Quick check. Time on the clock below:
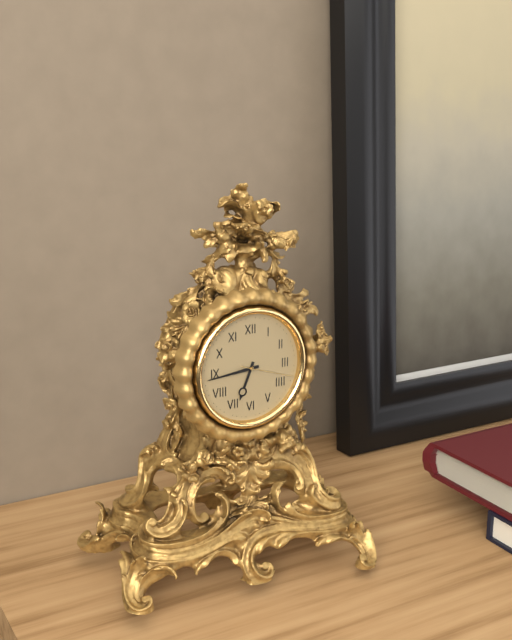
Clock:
6:44:18
